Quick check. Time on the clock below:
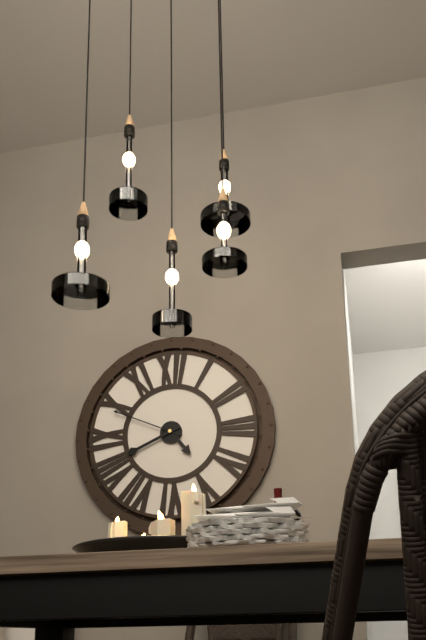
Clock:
4:41:49
